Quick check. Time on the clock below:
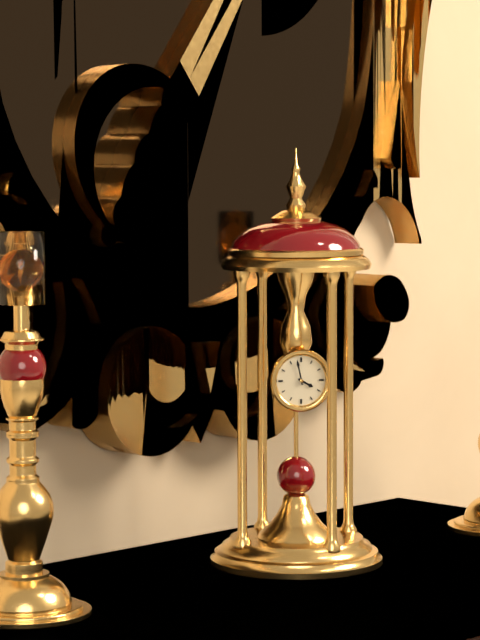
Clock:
3:58
